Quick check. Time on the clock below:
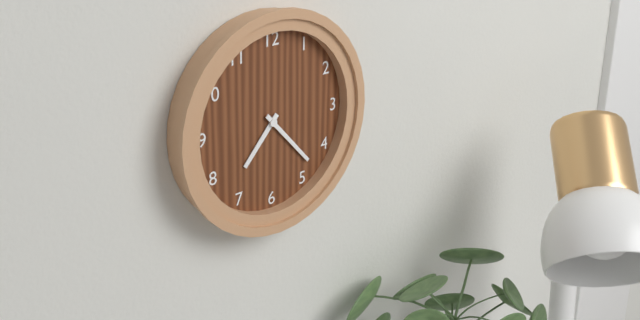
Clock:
7:23
